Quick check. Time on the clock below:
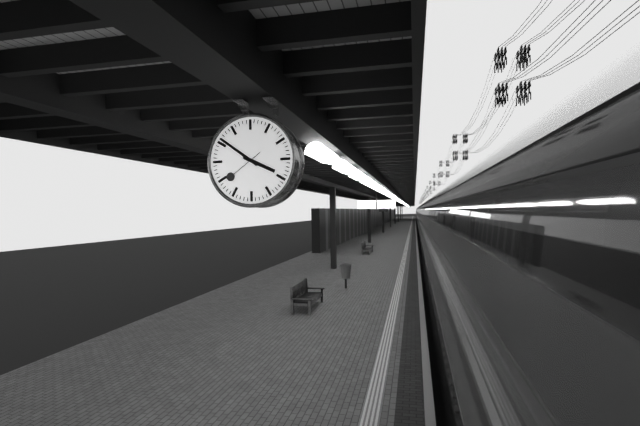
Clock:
3:51
